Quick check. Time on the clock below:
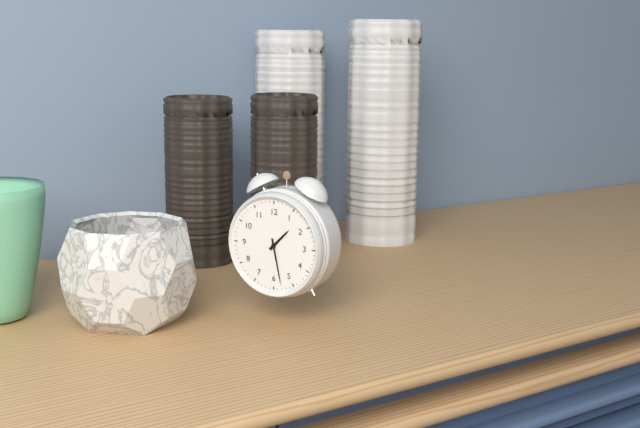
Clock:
1:28
